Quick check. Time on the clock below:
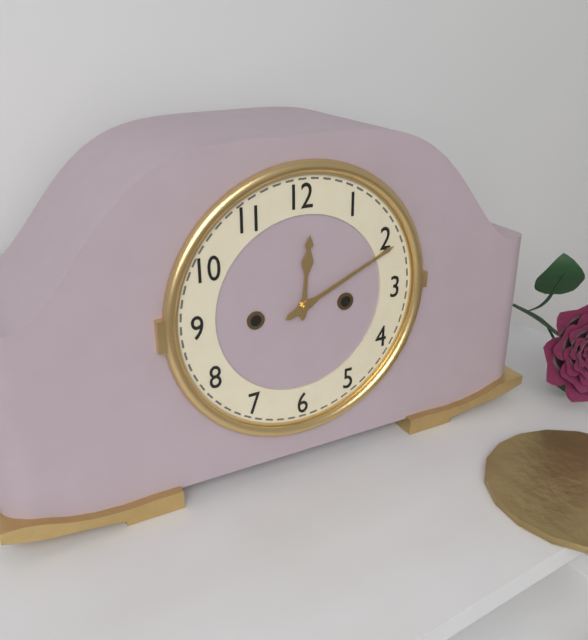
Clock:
12:11
